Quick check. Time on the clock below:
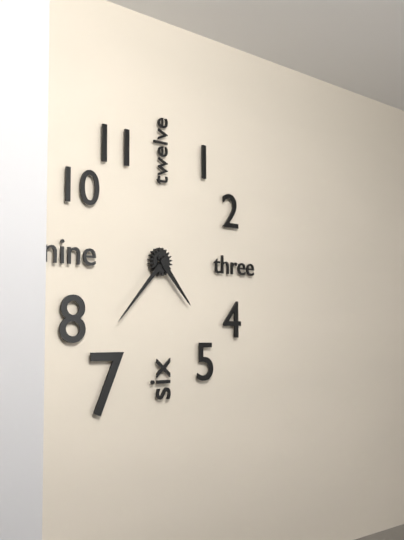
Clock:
4:37
